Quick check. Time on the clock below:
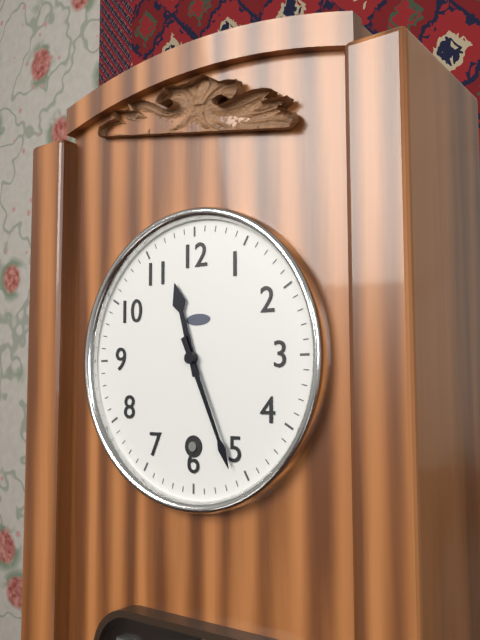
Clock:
11:26
